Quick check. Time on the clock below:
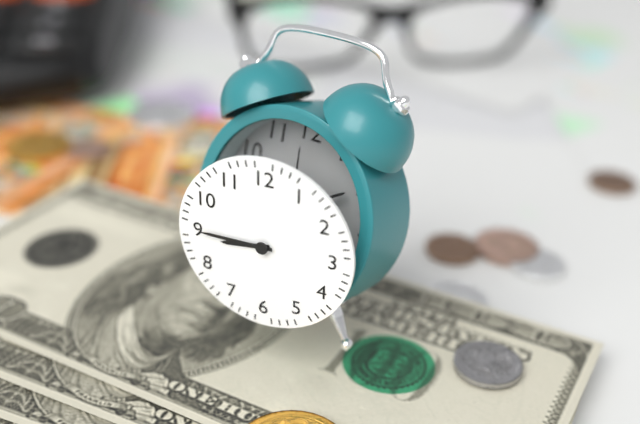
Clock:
8:45
